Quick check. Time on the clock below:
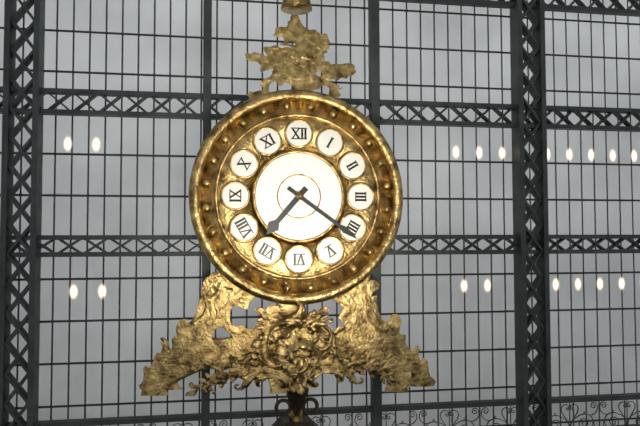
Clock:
7:21
